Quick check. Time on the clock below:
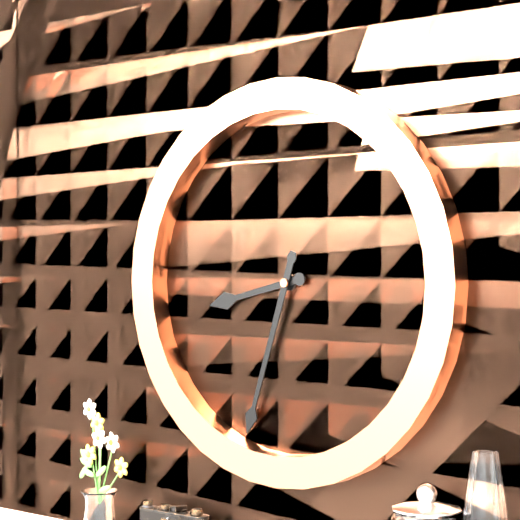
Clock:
8:33
